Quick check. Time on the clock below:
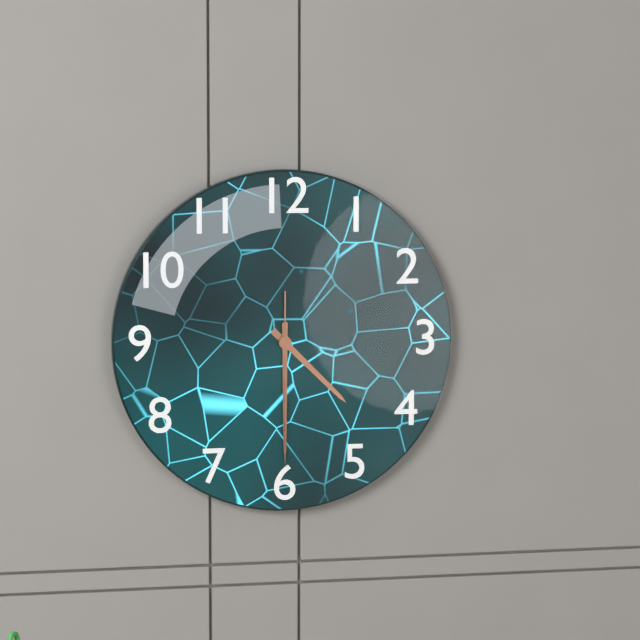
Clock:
4:30:30
